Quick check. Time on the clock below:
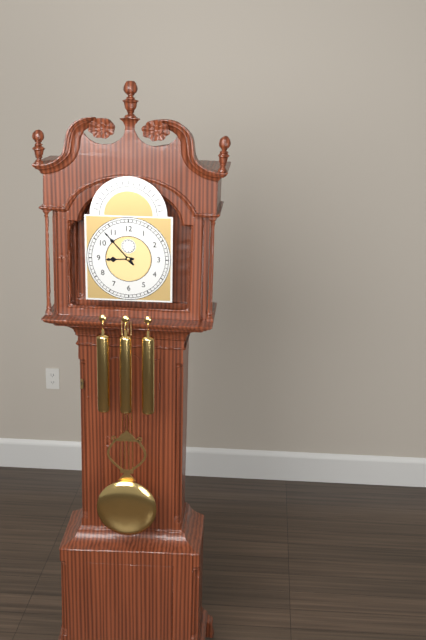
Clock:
8:53
